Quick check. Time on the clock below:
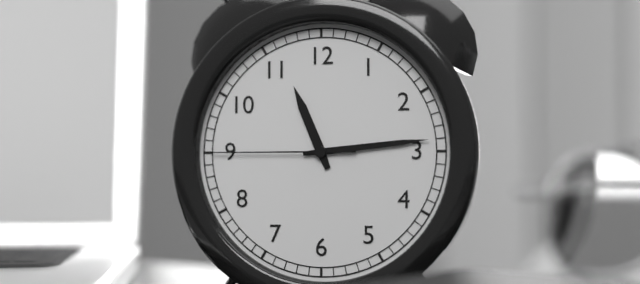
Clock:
11:14:45
